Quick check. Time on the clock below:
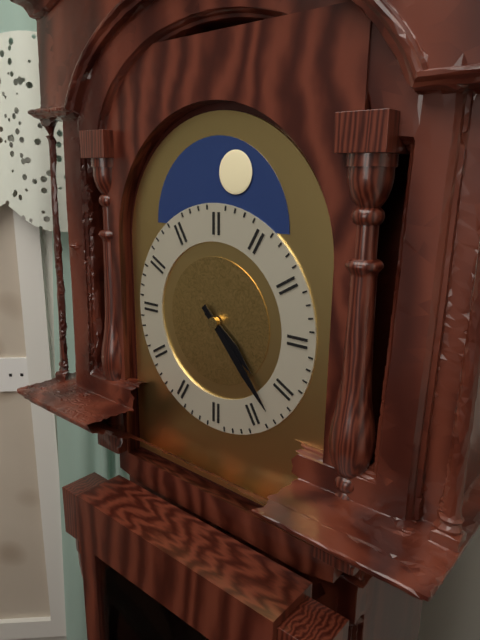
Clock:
4:23
